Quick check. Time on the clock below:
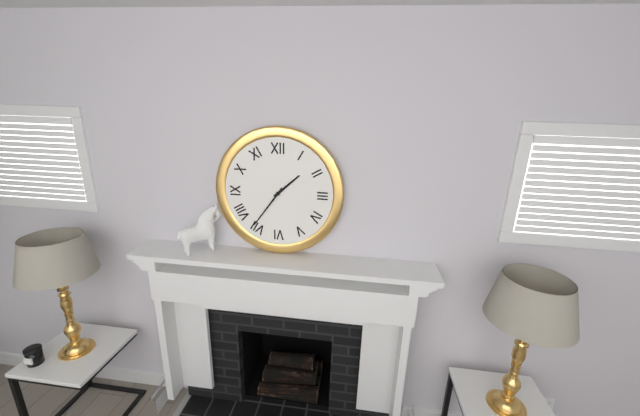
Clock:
1:36
